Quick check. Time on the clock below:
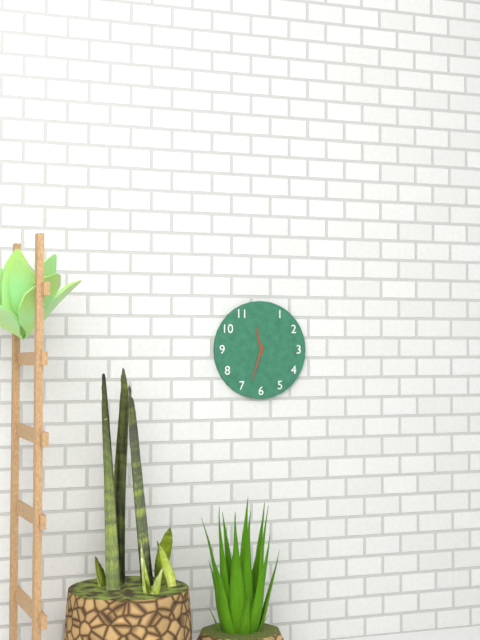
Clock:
11:33
